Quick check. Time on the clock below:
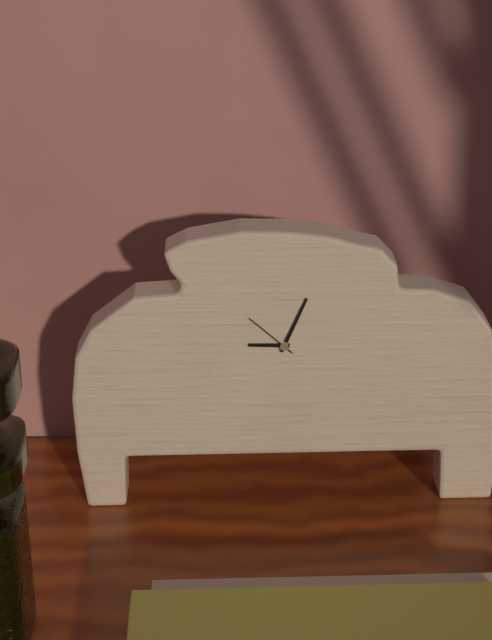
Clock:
9:04:52
